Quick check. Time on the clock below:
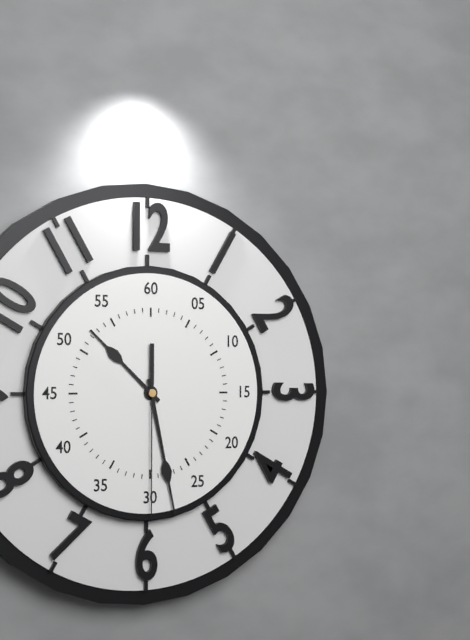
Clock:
10:28:30
